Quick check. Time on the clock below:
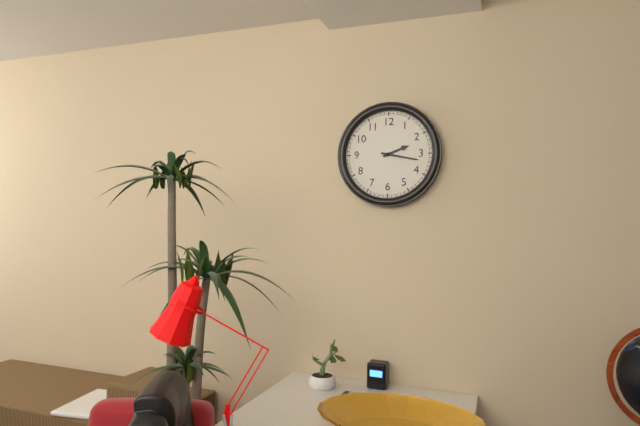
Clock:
2:17
